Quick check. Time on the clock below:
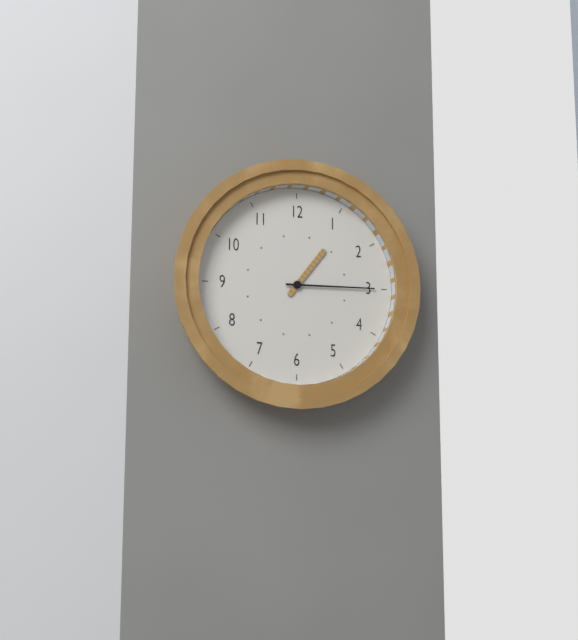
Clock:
1:15
